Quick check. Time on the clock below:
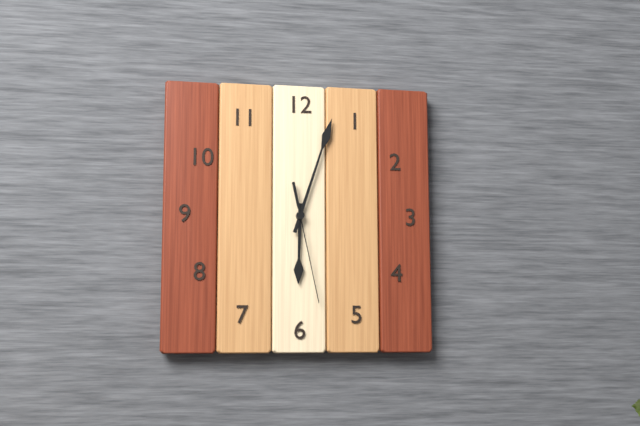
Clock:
6:03:28
